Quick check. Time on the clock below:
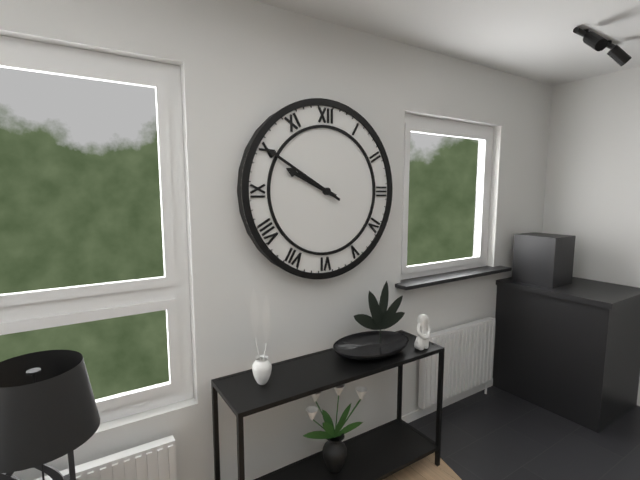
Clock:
9:50
